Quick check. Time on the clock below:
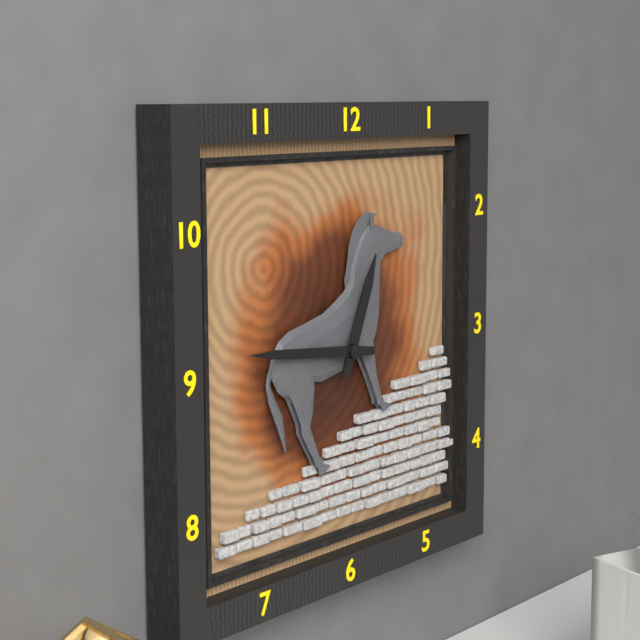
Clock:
12:46
